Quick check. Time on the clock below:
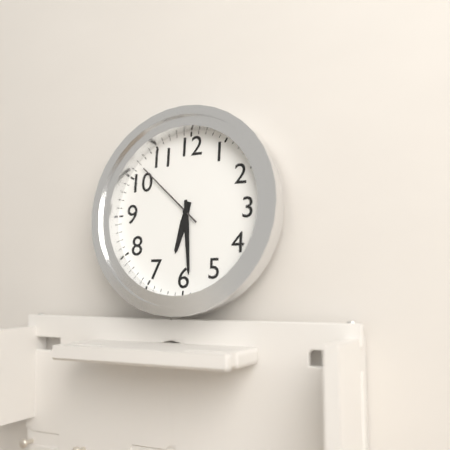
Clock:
6:29:52
